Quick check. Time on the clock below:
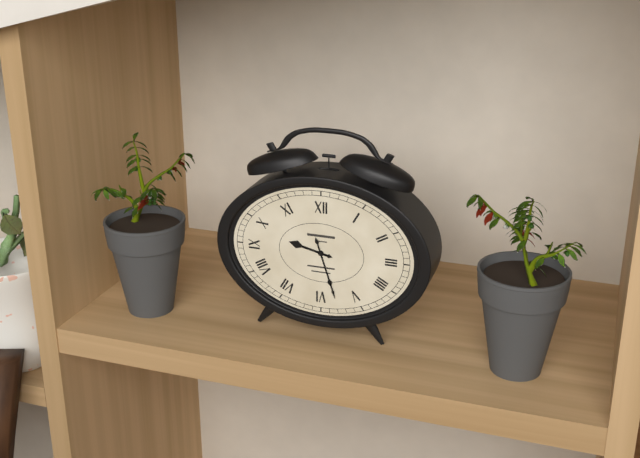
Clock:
9:27
